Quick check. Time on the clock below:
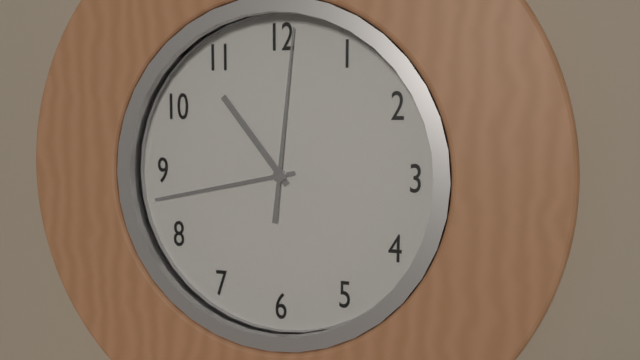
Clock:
10:43:01
